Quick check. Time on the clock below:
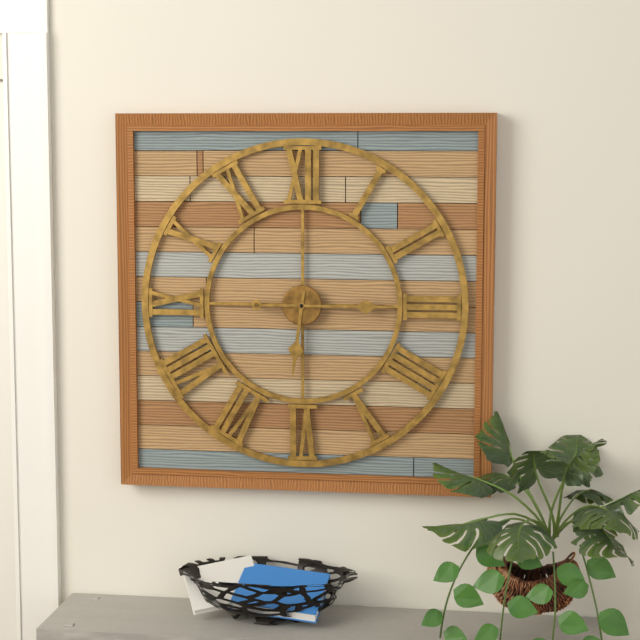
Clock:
6:15
